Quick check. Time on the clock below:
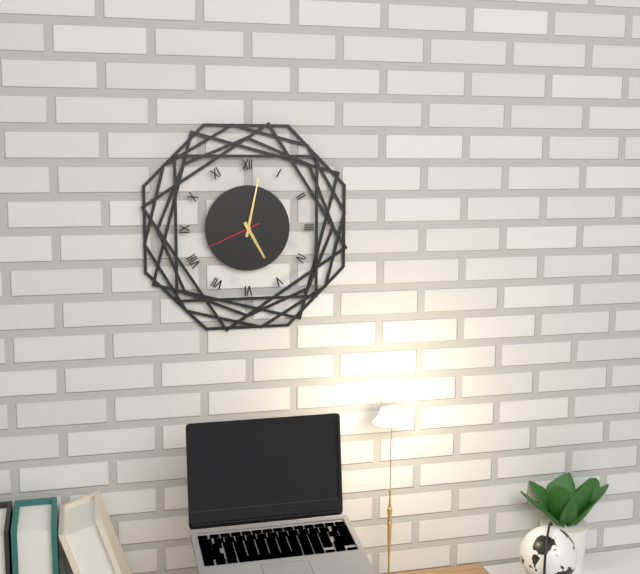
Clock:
5:02:41
